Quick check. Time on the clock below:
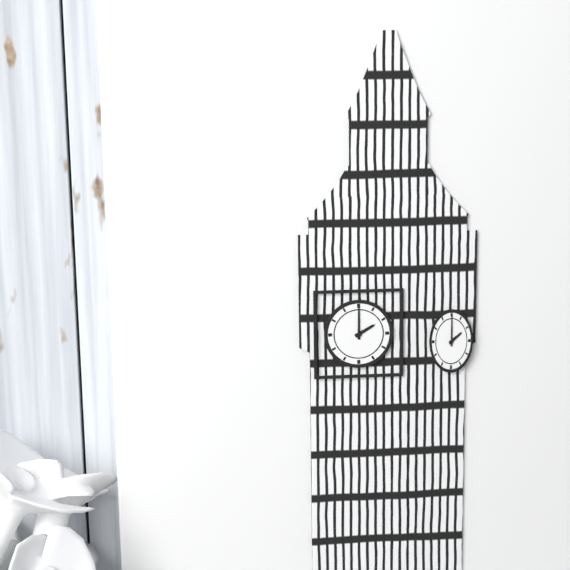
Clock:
2:00
